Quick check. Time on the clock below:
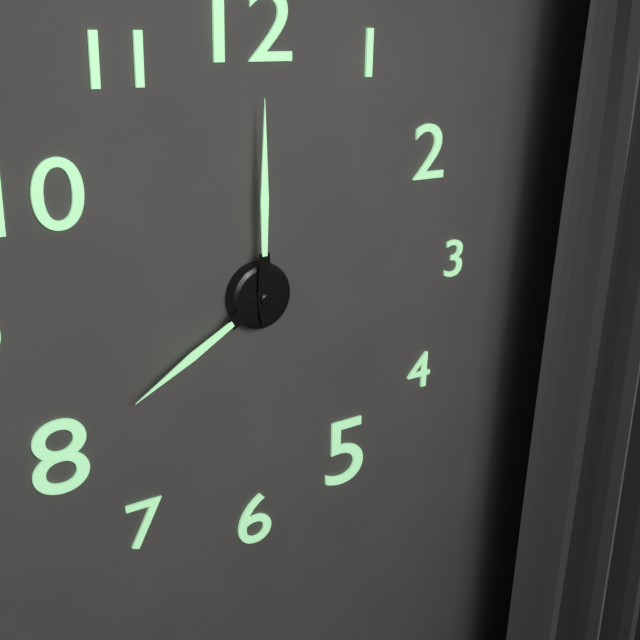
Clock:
8:00
